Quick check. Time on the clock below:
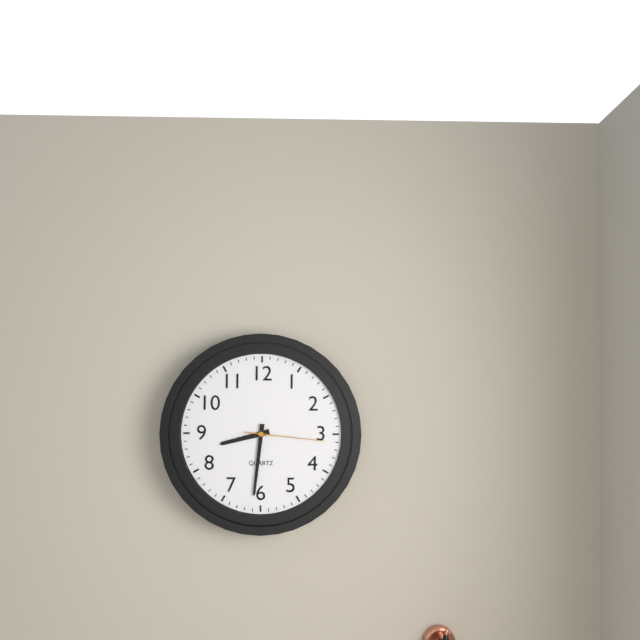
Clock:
8:31:16
